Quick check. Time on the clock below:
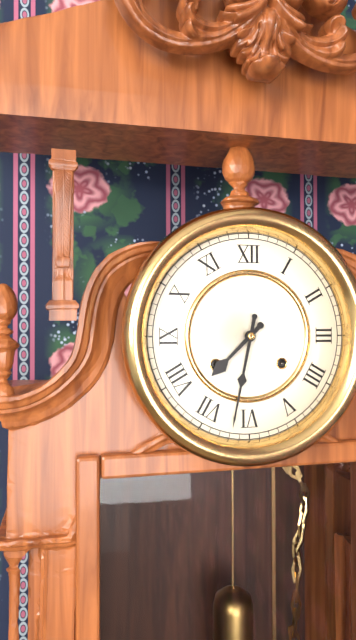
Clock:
7:32
